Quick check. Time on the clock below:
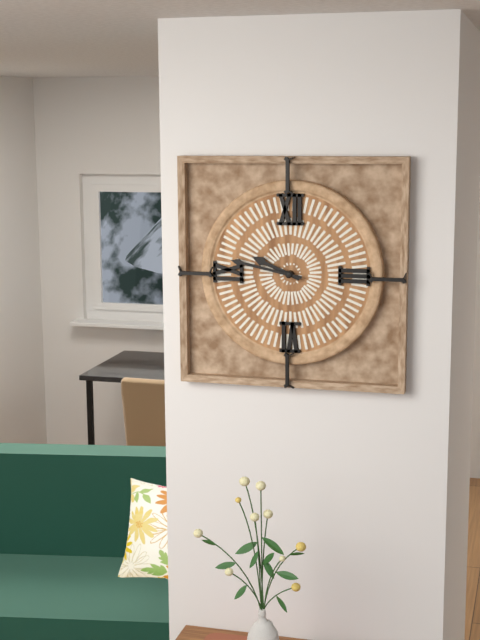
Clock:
9:47
